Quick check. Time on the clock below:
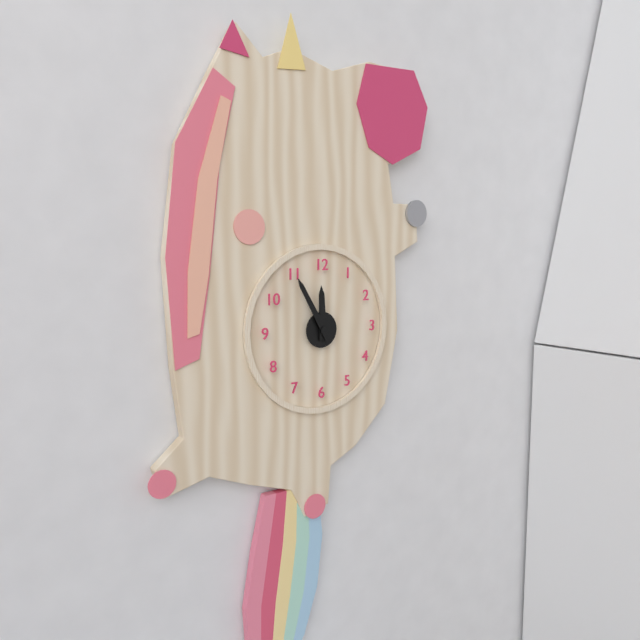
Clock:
11:55
